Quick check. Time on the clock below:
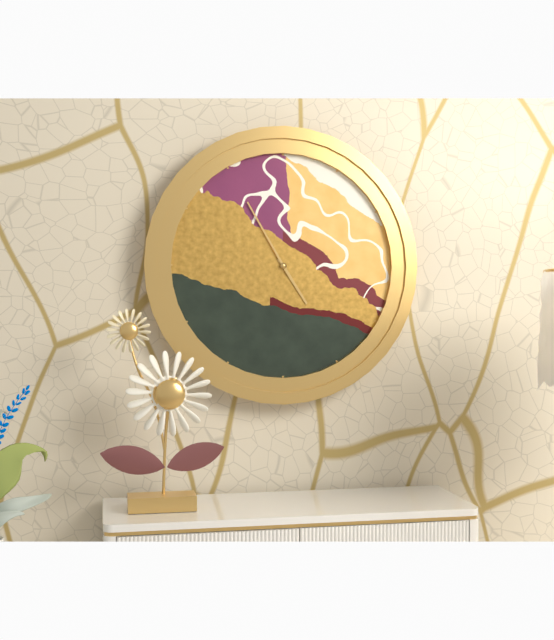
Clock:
4:55
